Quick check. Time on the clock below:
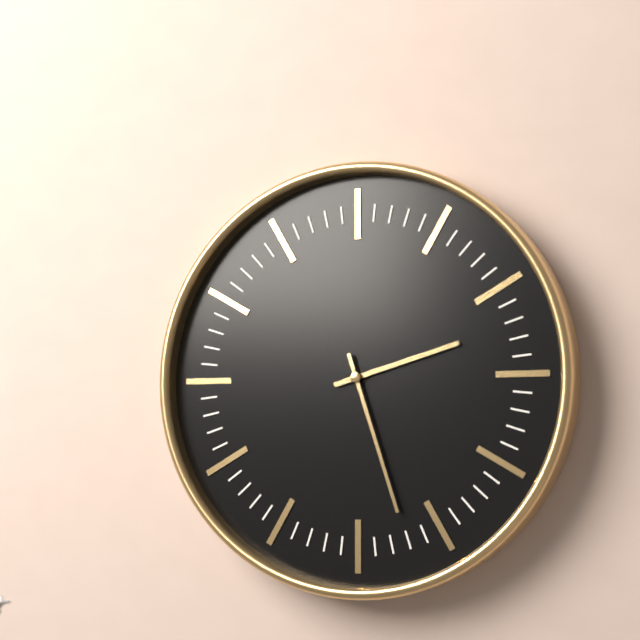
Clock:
2:27
